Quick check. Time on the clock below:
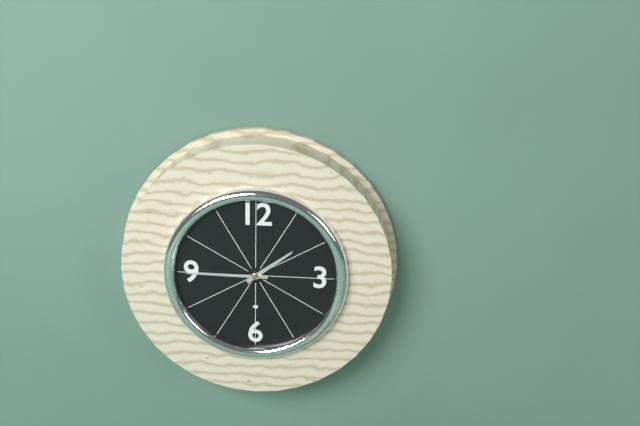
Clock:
1:45
